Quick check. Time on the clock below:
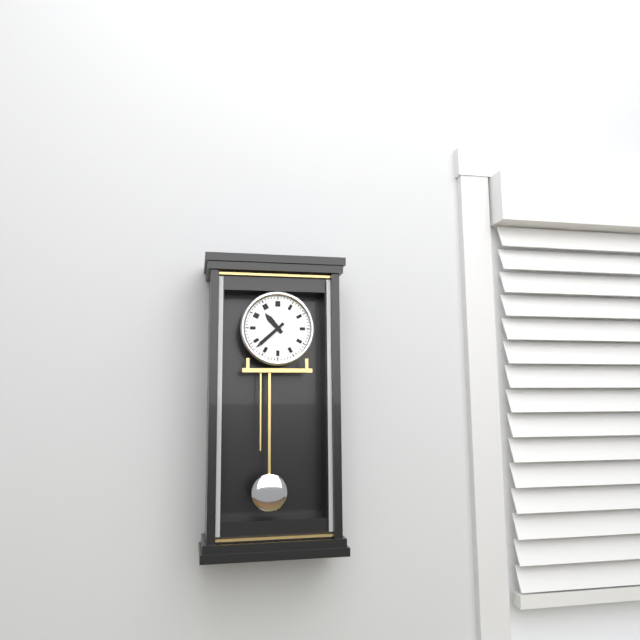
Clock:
10:38
